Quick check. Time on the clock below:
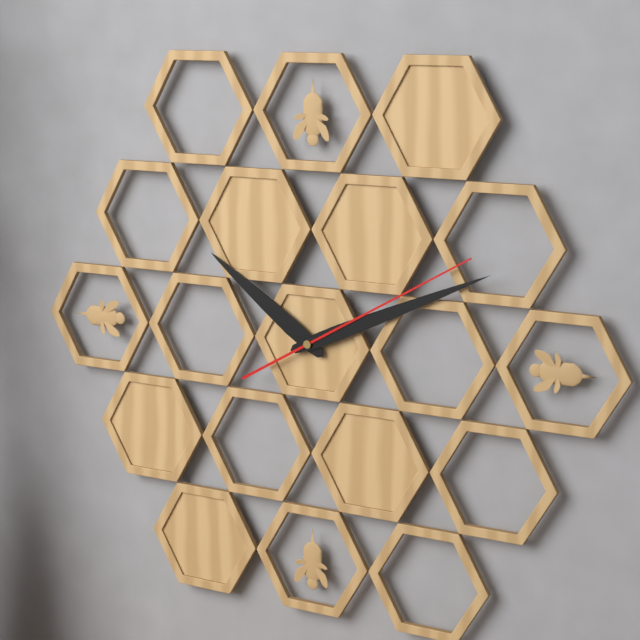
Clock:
10:11:10
